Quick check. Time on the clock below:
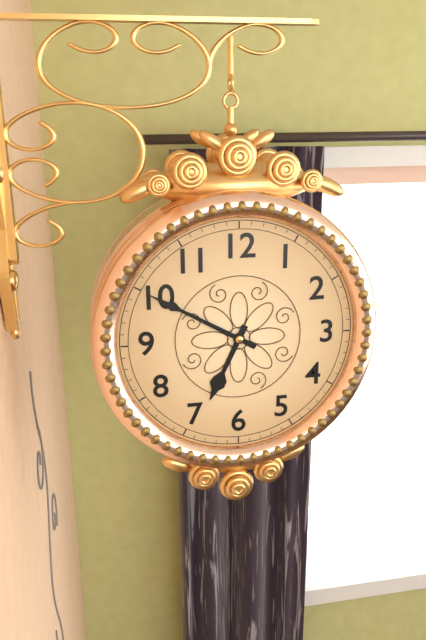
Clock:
6:50
